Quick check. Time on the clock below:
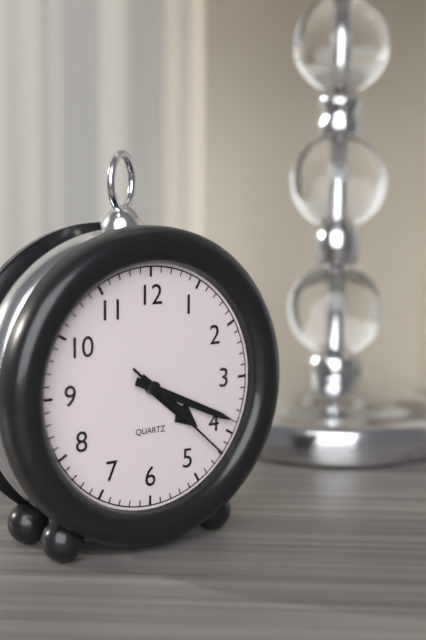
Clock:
4:19:22
